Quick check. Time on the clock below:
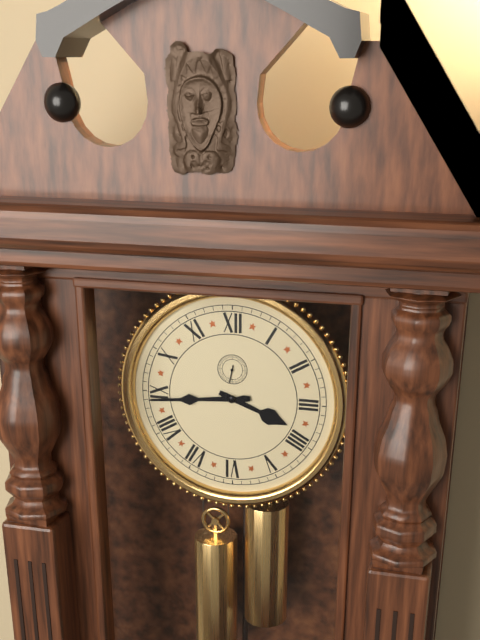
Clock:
3:44
